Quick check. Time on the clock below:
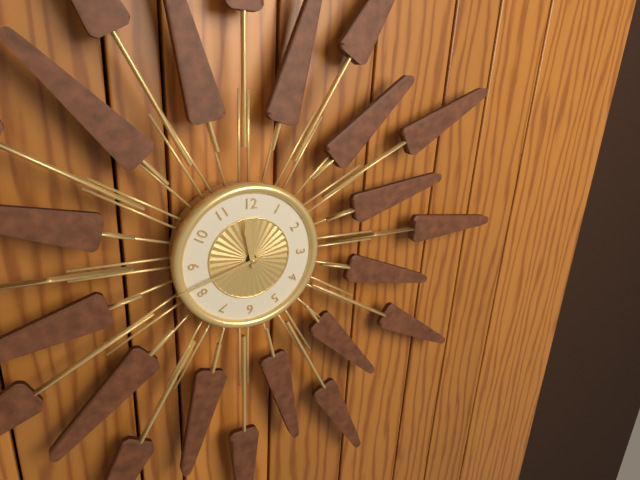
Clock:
11:42
